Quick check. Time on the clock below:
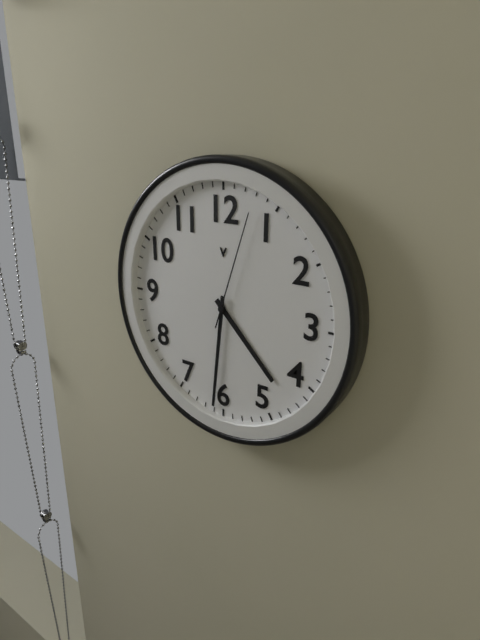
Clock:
4:31:03
